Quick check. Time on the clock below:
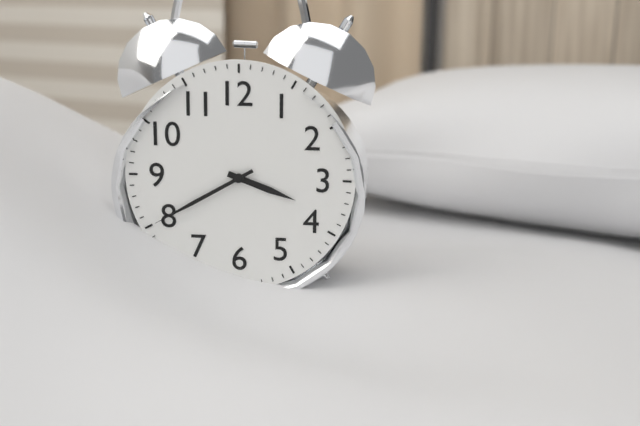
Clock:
3:40
